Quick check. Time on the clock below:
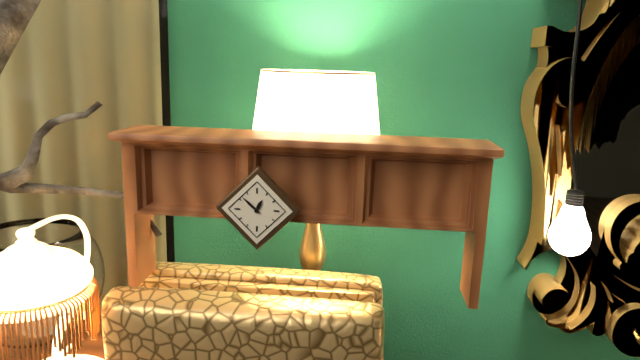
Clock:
12:52
